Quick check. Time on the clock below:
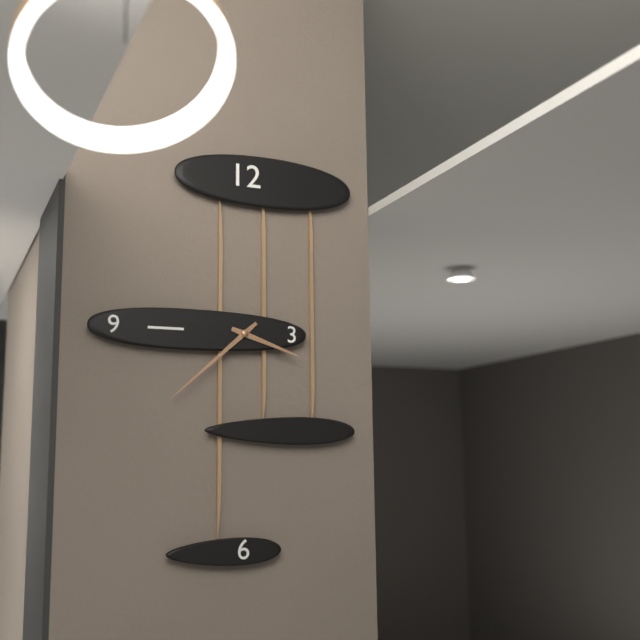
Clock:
3:38
